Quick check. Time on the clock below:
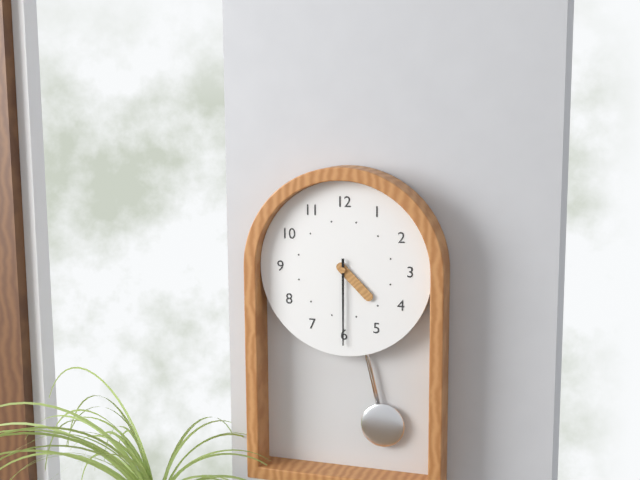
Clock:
4:30
